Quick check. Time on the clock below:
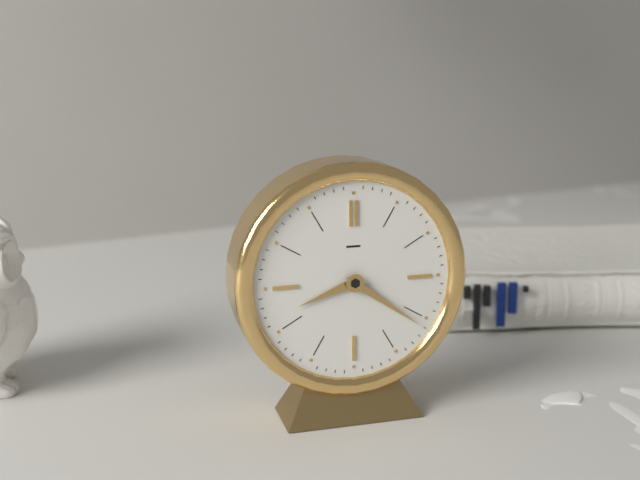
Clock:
8:21
